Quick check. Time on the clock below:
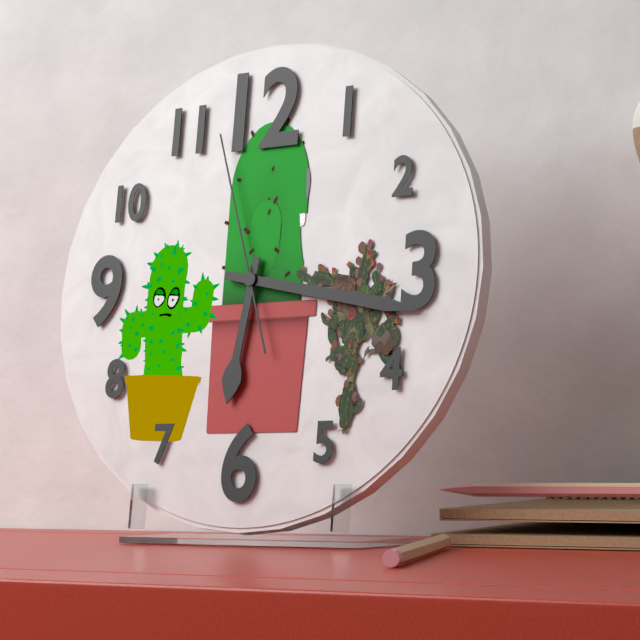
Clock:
6:17:57
